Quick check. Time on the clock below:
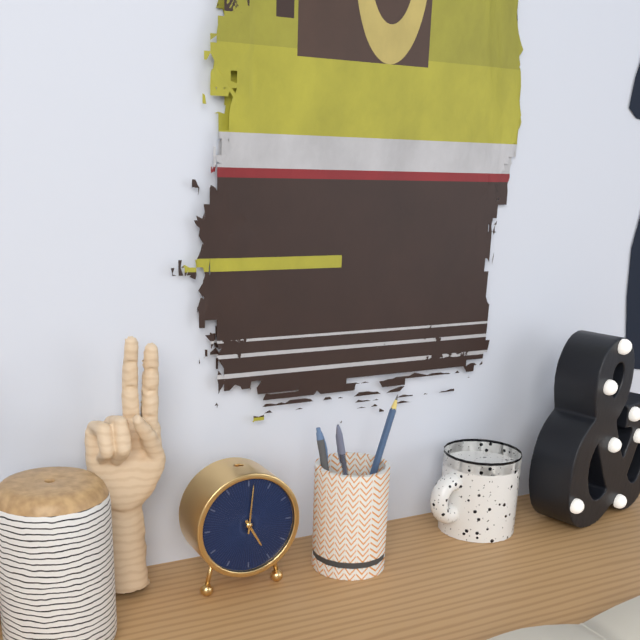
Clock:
5:01
